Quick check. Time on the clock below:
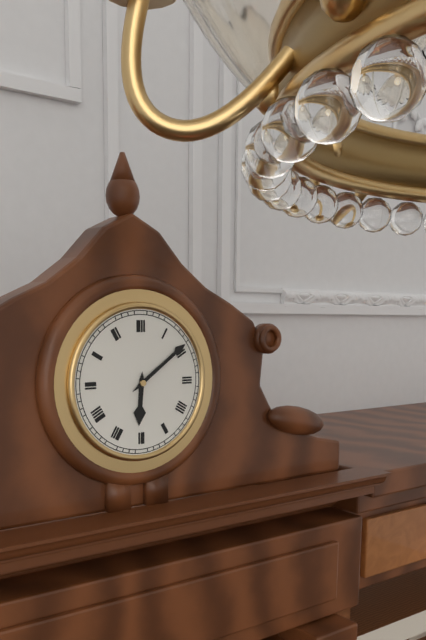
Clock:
6:09
